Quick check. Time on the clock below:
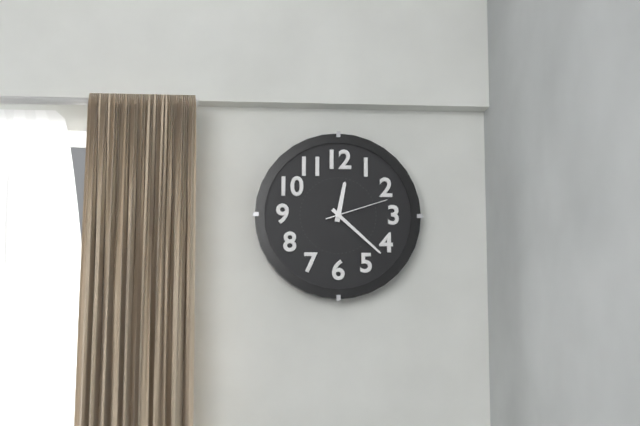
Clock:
12:22:12
